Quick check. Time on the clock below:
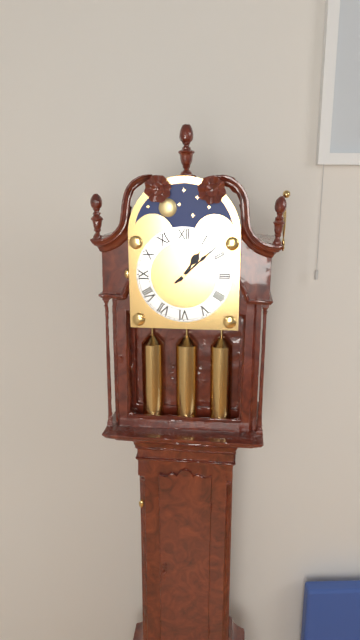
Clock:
1:08
